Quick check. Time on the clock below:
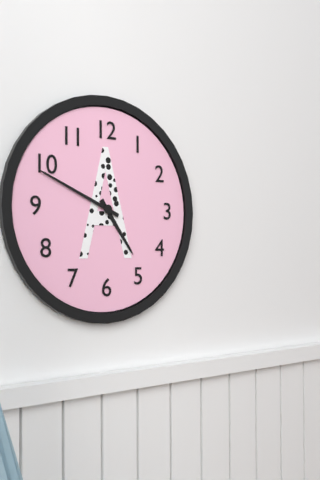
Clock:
4:49
